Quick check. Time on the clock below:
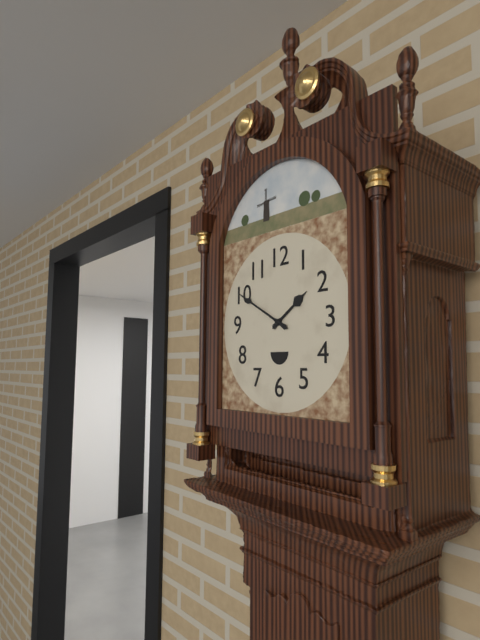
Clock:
1:50
